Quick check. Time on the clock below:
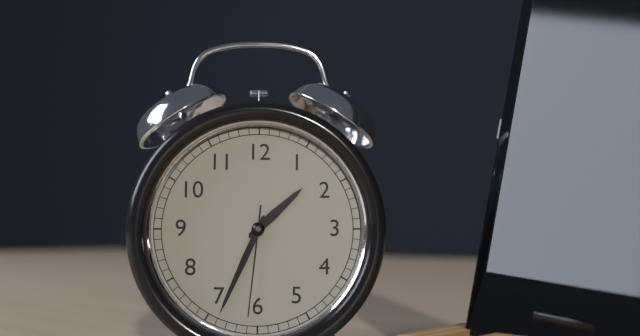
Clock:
1:34:31
